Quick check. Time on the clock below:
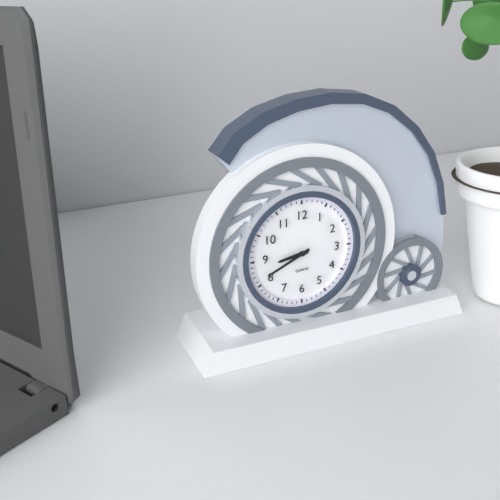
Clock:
8:41
